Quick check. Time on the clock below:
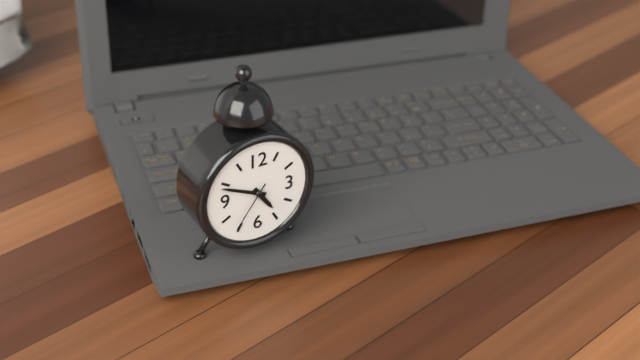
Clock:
4:49:36
